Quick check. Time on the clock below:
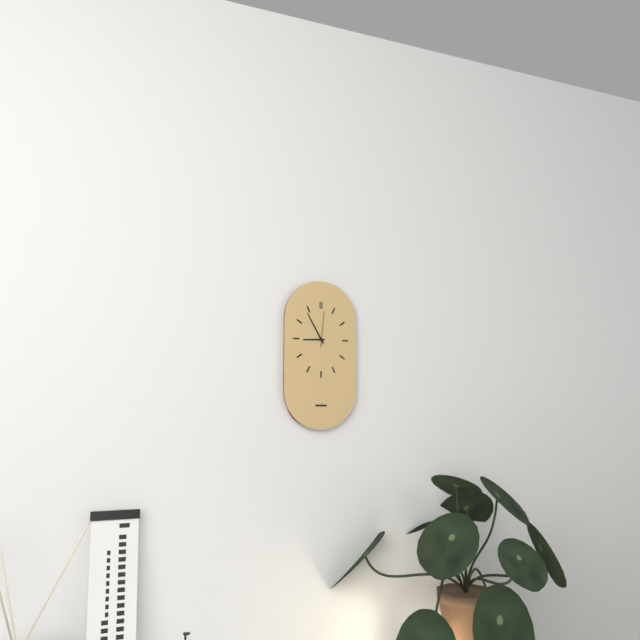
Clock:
8:55
